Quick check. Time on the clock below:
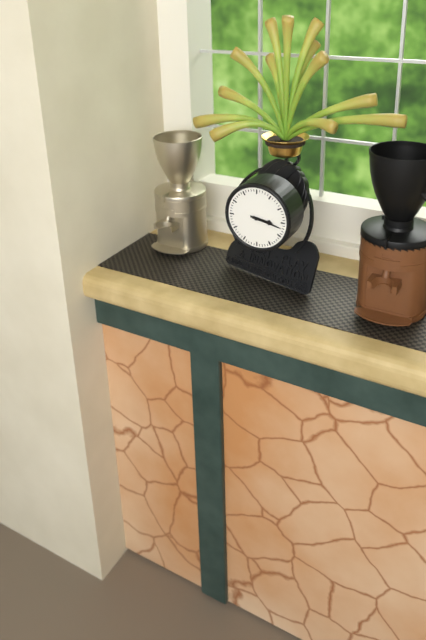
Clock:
3:17
